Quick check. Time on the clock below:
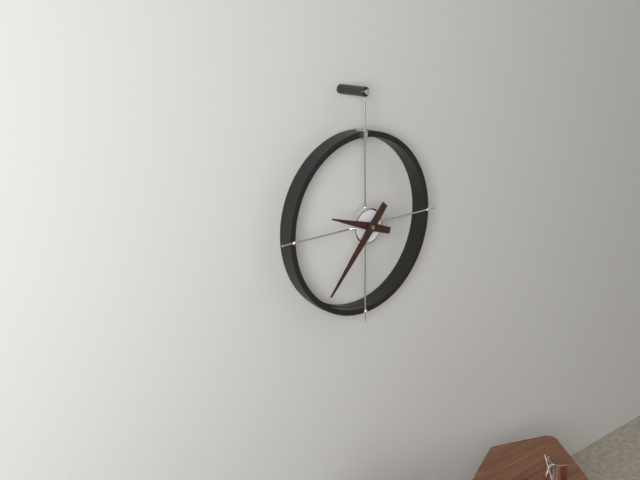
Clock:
9:37
